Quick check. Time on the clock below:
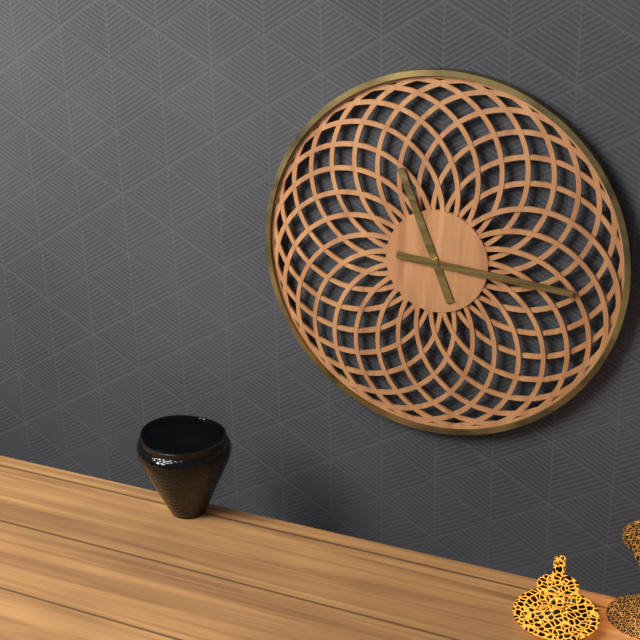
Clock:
11:16
